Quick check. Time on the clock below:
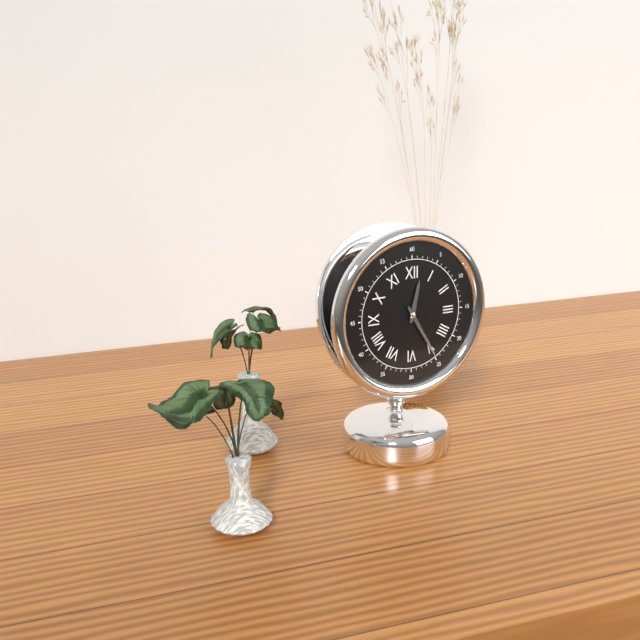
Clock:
12:25
